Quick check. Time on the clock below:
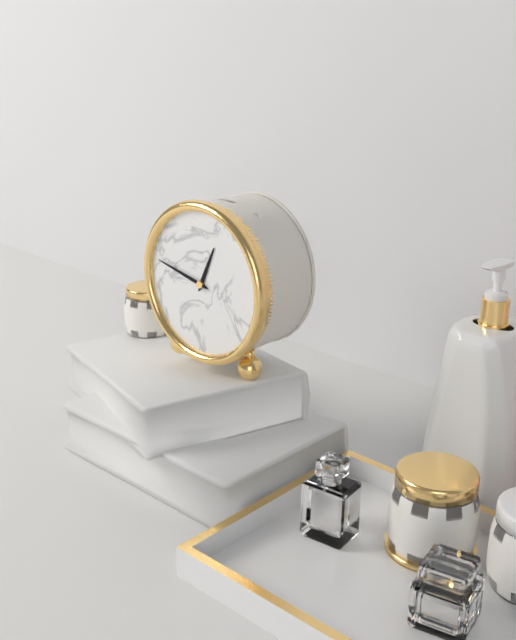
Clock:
12:47
